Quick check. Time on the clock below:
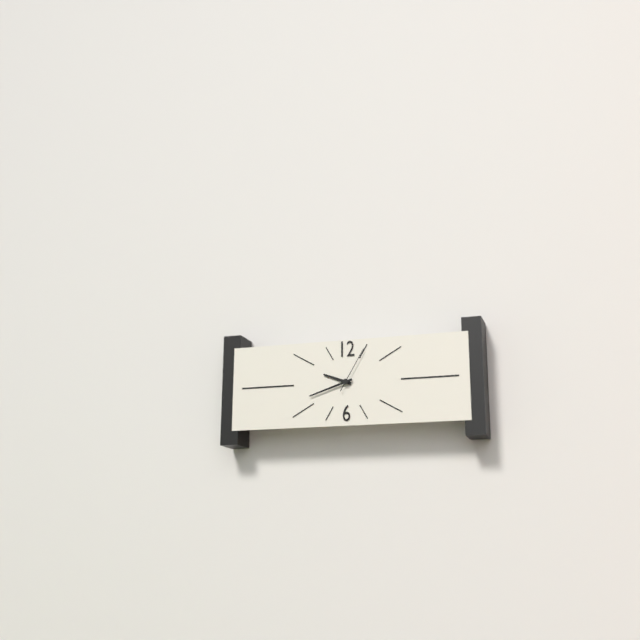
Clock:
9:42
